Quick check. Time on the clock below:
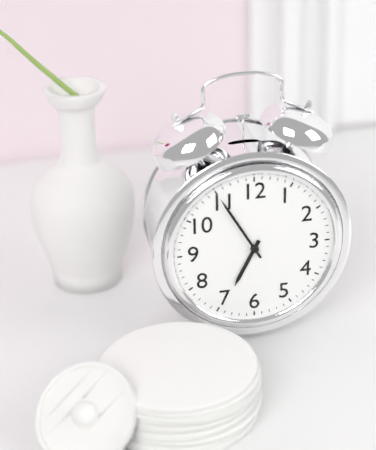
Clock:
6:55
